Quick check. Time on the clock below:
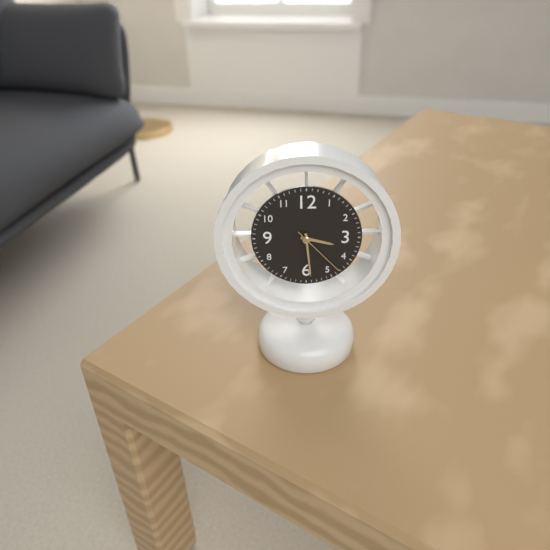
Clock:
3:29:23
